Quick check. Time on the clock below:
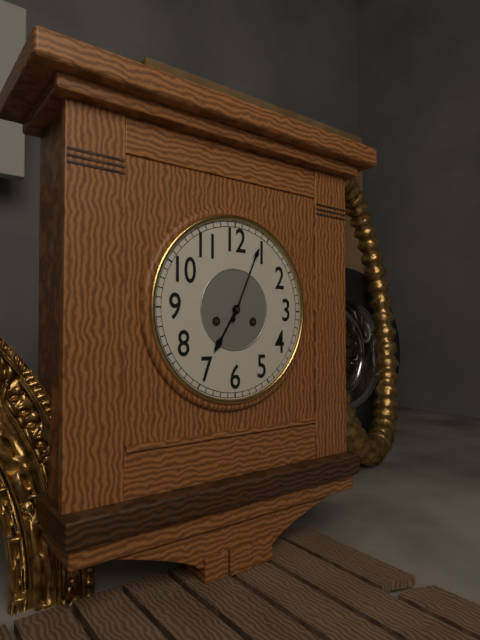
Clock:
7:04
